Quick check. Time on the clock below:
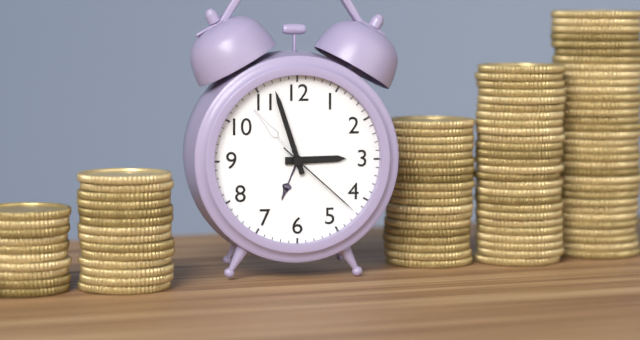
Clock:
2:57:22
